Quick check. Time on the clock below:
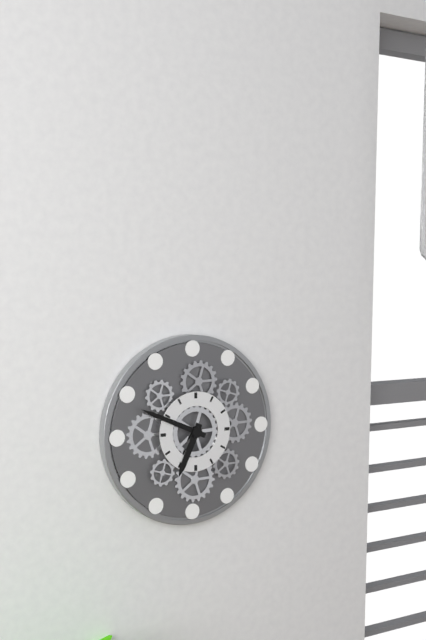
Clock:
6:49
